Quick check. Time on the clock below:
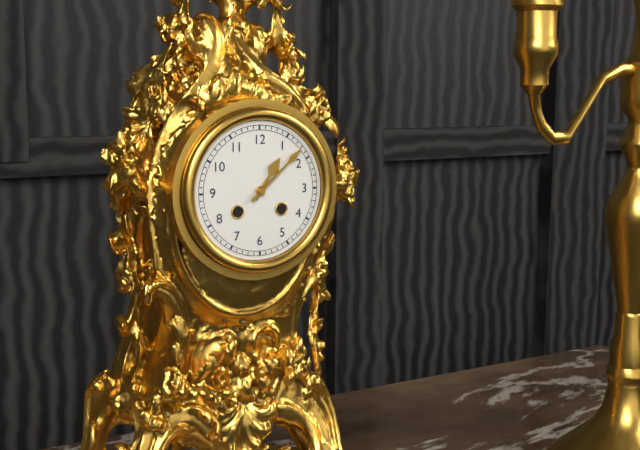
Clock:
1:08
